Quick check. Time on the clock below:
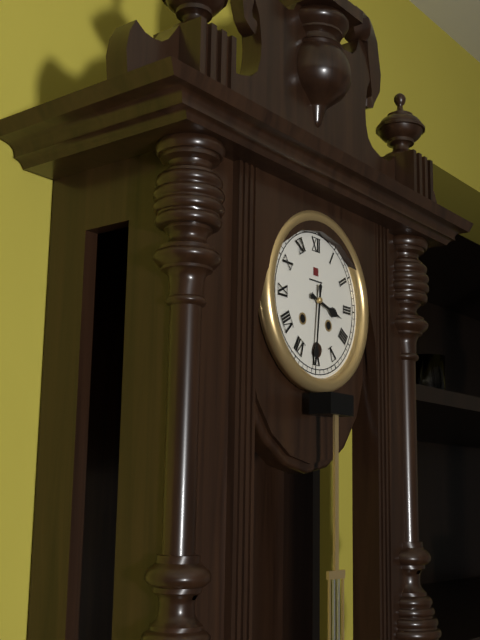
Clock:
3:31
